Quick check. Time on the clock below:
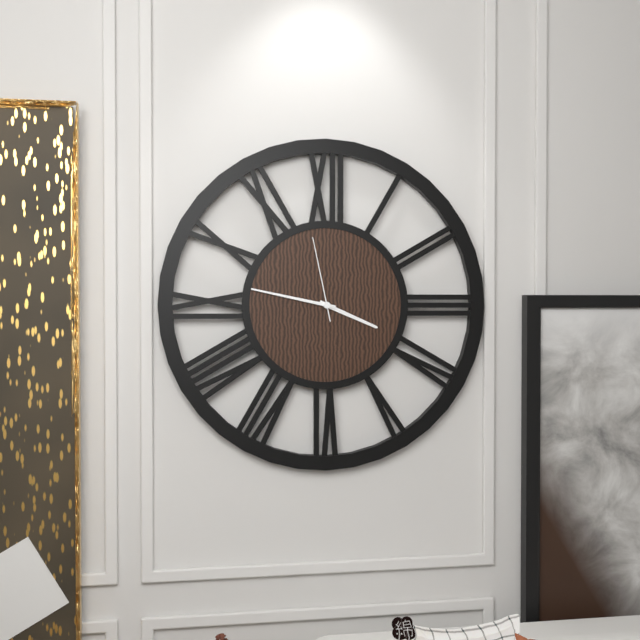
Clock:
3:47:58
